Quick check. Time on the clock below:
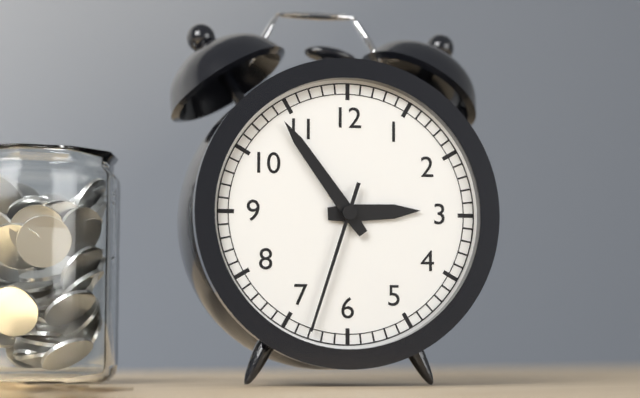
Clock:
2:54:33
